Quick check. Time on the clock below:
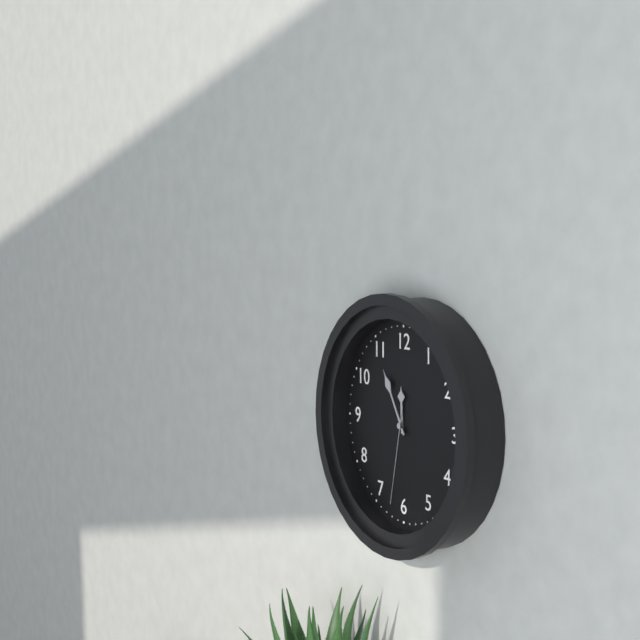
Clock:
11:55:32
